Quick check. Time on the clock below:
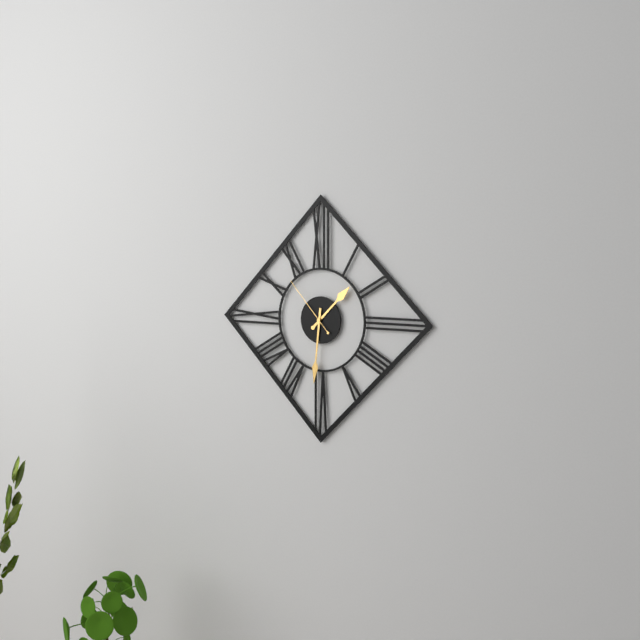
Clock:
1:31:53
